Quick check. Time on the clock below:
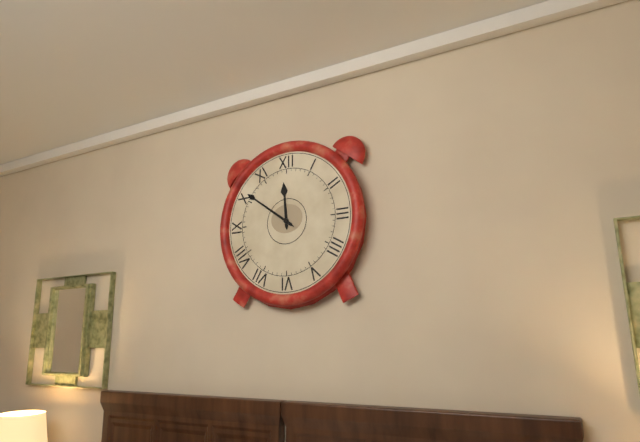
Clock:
11:51
